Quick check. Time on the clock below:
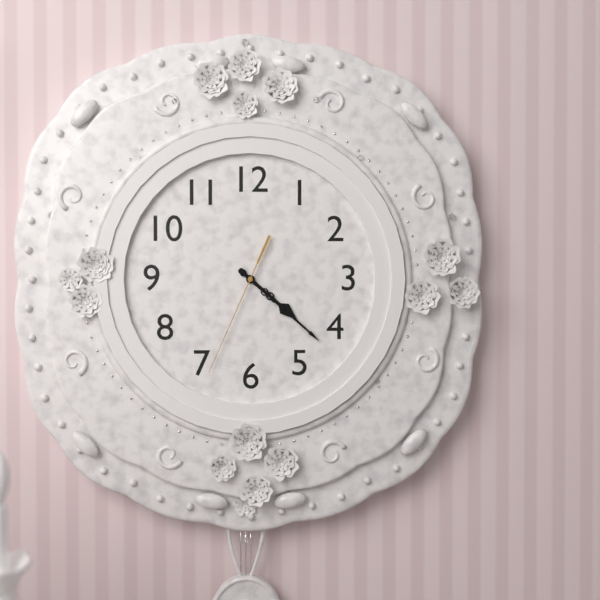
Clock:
4:22:34
